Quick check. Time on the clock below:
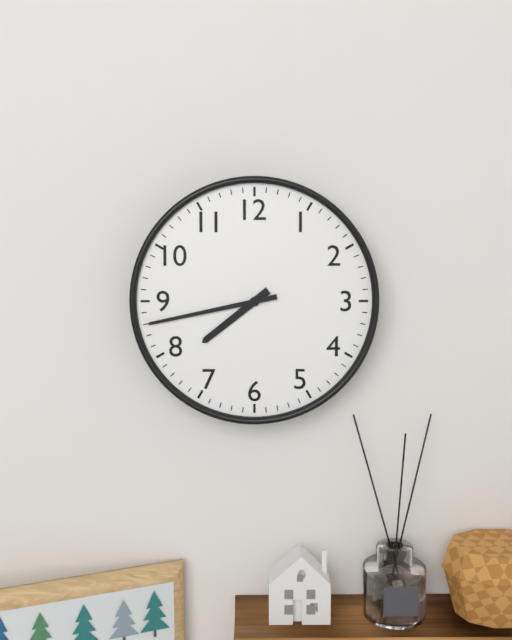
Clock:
7:43
